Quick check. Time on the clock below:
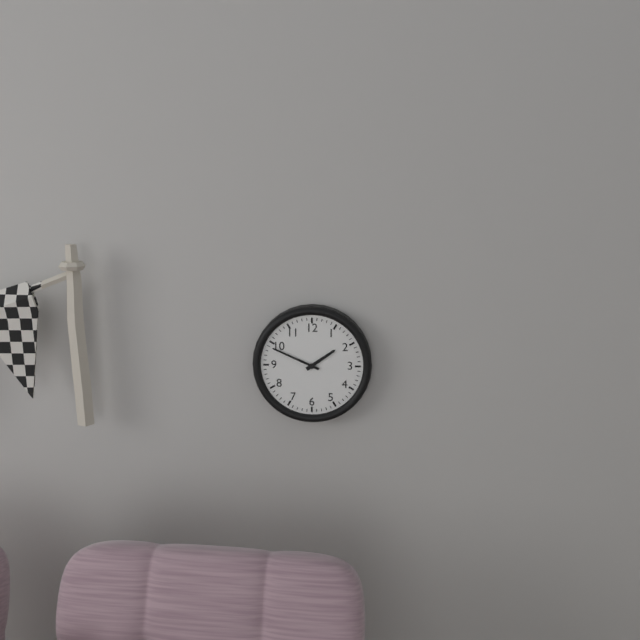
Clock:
1:49
